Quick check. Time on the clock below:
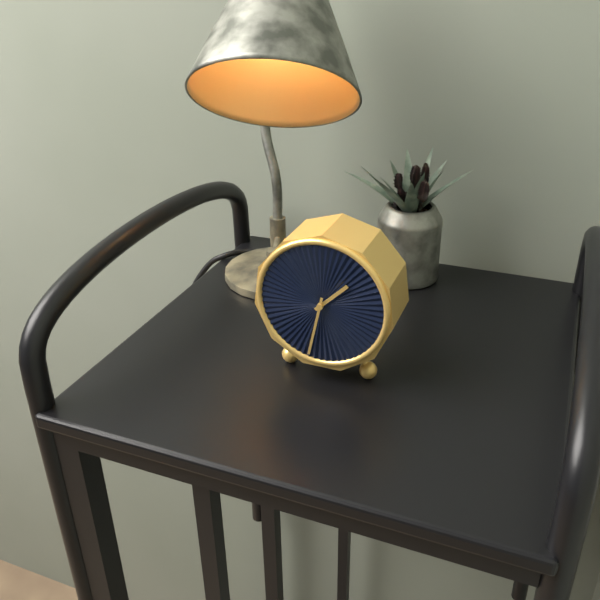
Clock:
1:32
